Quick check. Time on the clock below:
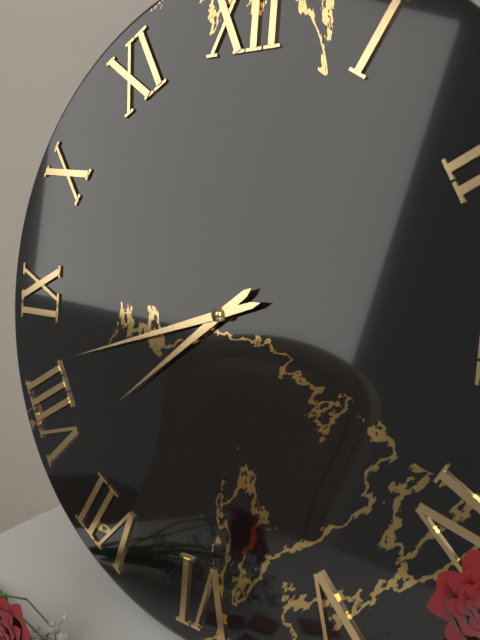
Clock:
7:42
